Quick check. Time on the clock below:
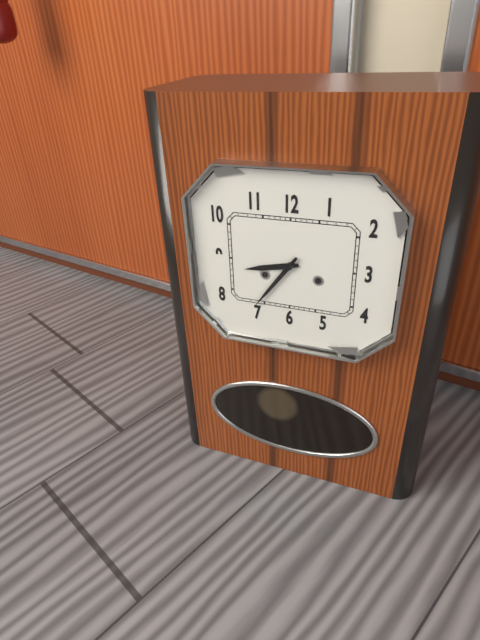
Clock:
8:36
